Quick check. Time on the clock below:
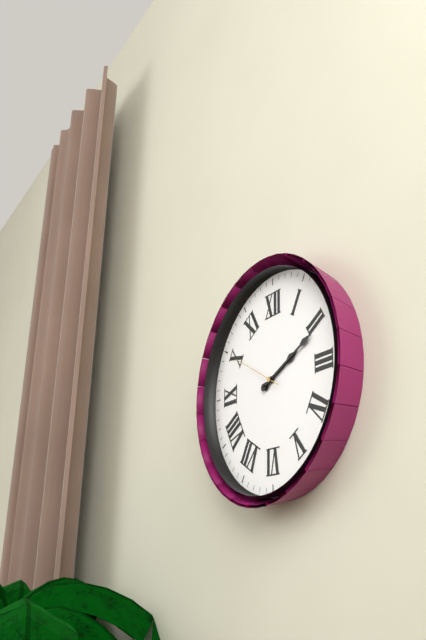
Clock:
2:11:50
